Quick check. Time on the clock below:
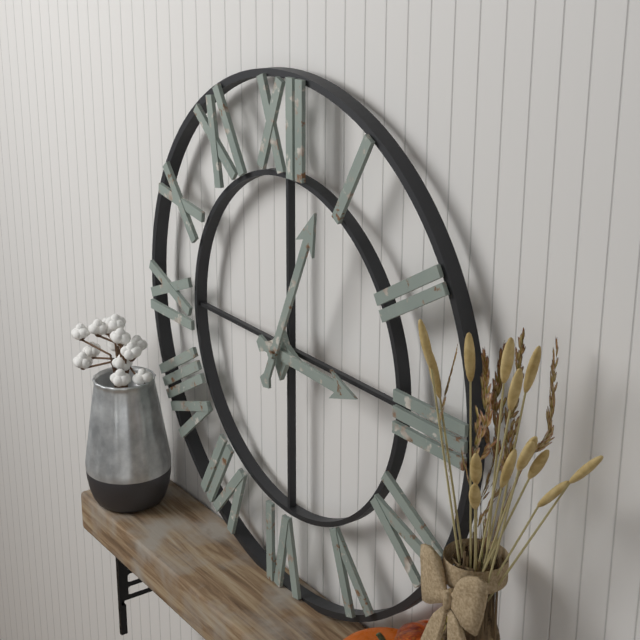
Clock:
3:04
